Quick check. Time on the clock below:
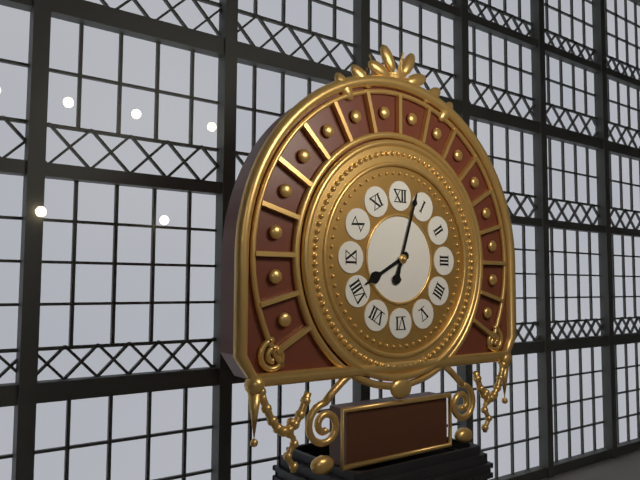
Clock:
8:03
